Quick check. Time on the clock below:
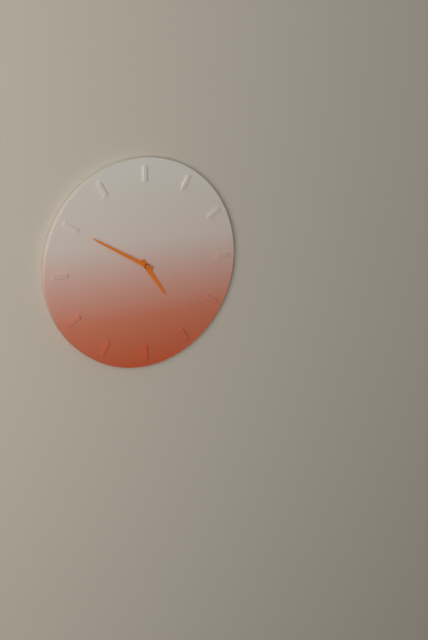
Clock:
4:50
